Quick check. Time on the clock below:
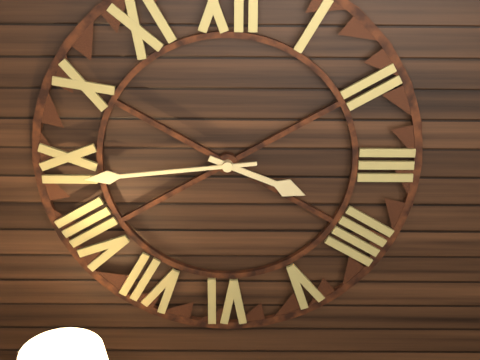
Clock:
3:44
